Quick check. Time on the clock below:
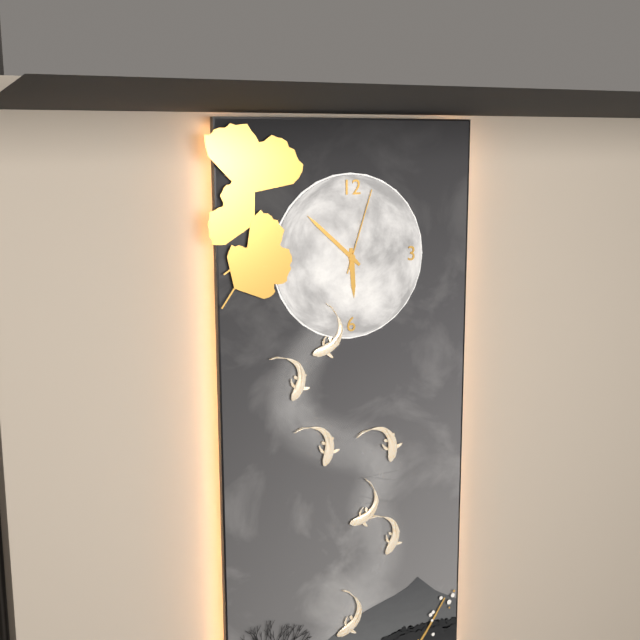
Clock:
5:52:03
